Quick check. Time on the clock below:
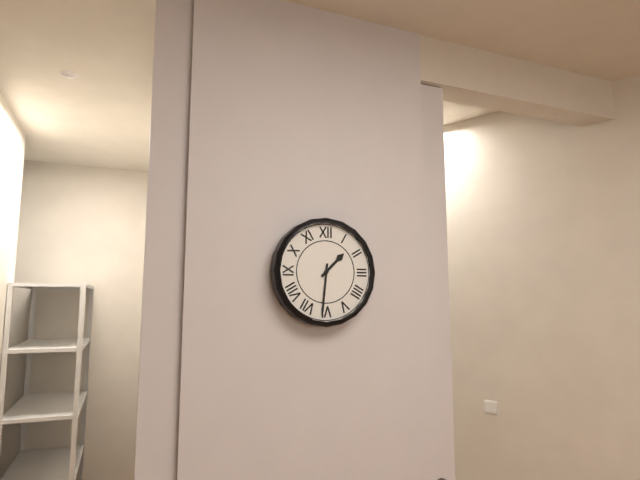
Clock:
1:31
